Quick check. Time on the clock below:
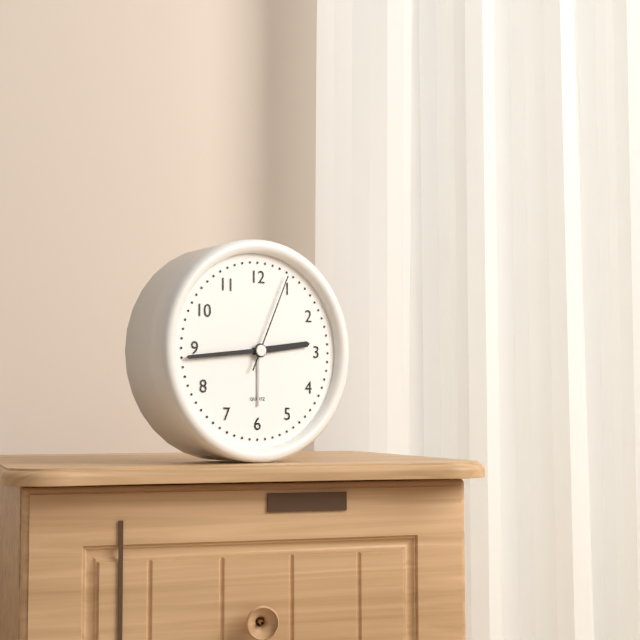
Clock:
2:44:04
